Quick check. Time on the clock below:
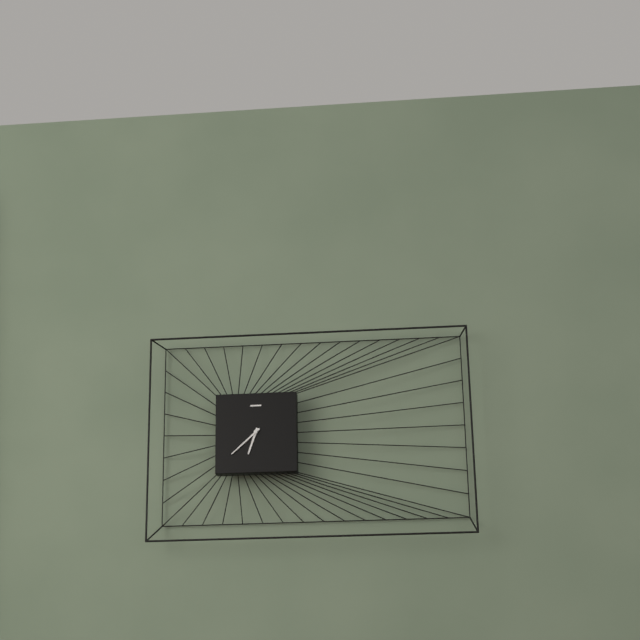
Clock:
6:38
